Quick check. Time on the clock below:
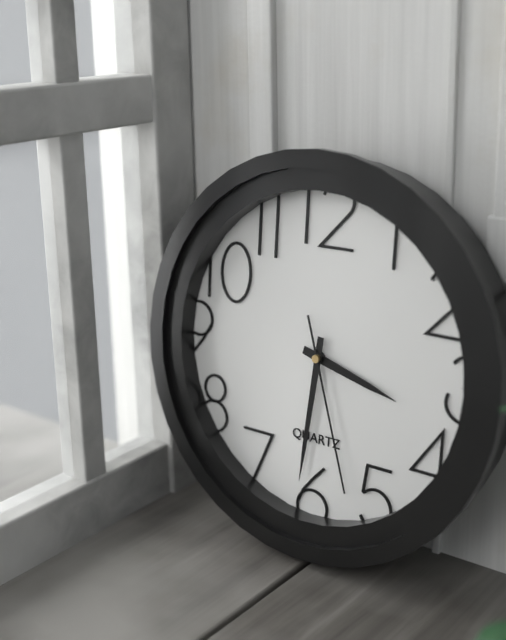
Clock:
3:31:27
